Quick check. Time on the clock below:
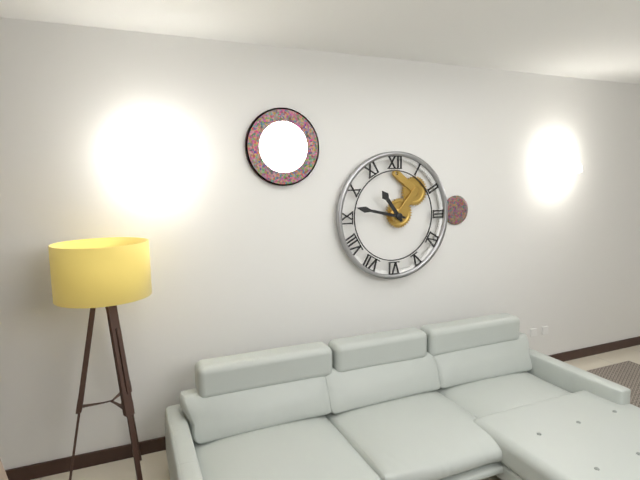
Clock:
10:47
